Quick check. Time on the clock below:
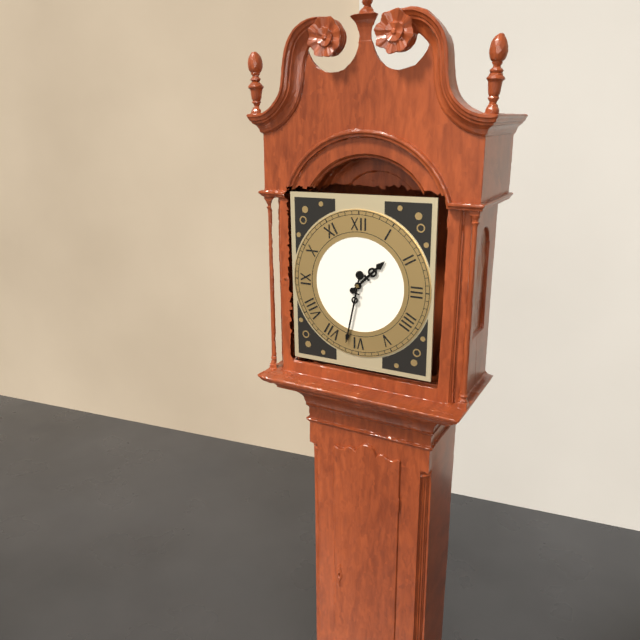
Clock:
1:32
